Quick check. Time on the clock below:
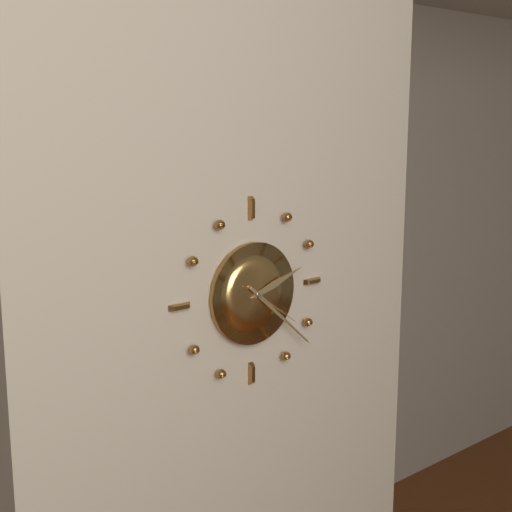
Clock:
2:22:21
